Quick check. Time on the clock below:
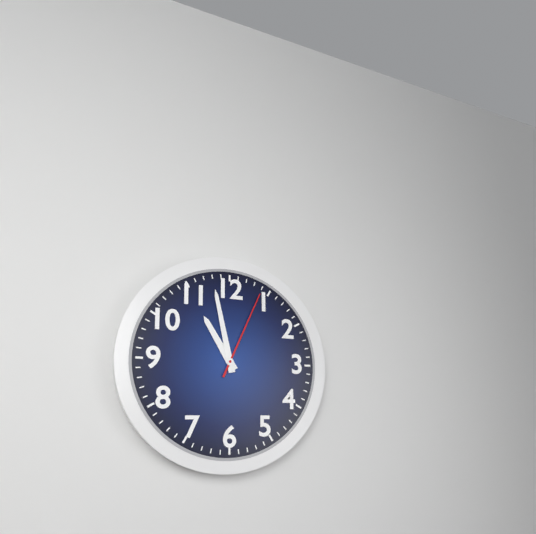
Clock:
10:58:04
